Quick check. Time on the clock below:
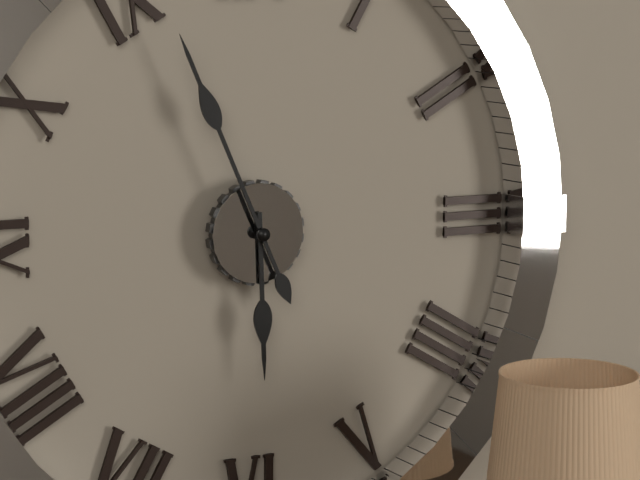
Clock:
5:56
